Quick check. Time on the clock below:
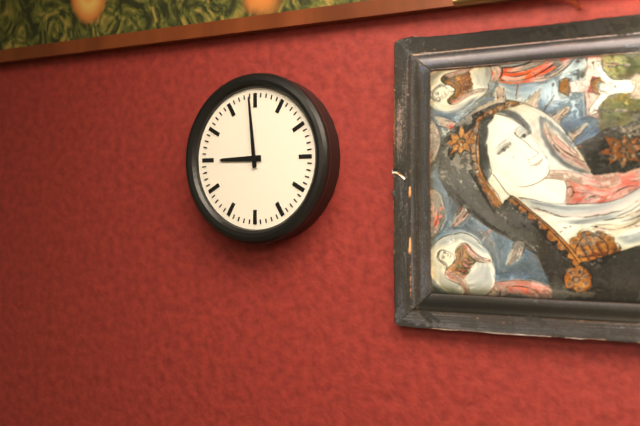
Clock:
8:59
